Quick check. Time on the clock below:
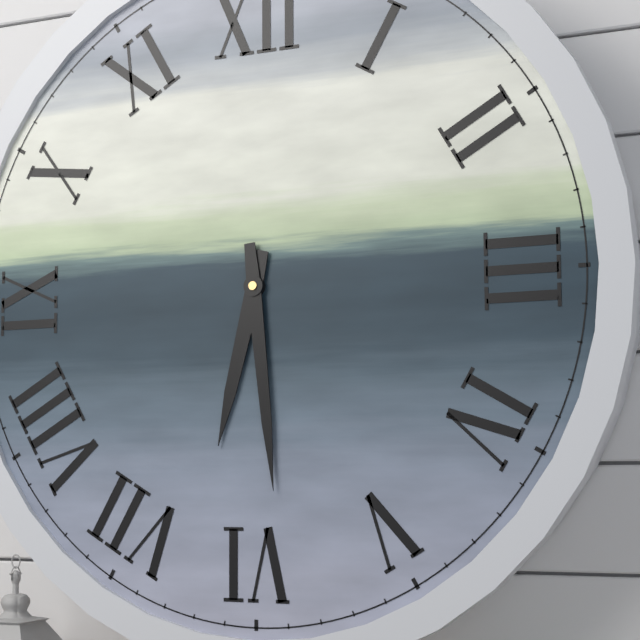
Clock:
6:29
